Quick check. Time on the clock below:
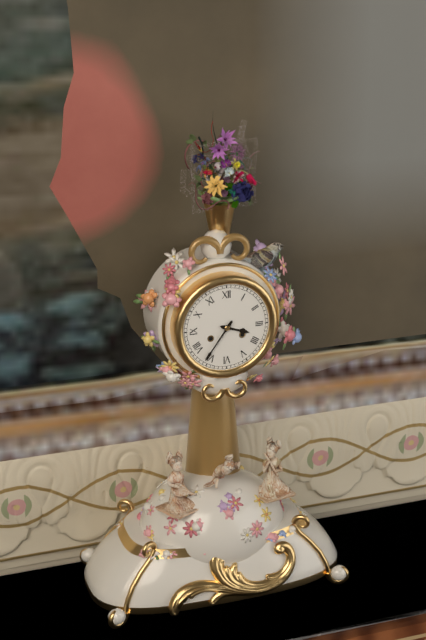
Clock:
3:36
